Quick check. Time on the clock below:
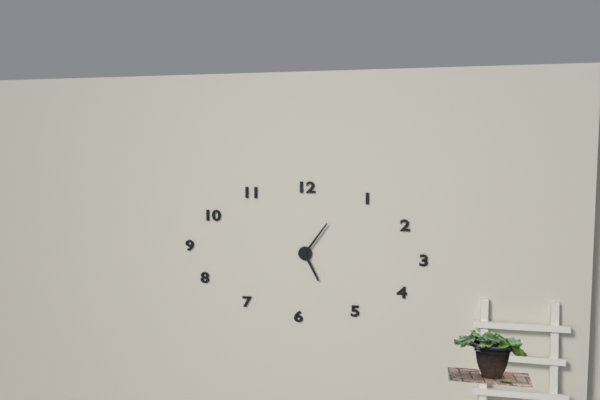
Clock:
5:06
